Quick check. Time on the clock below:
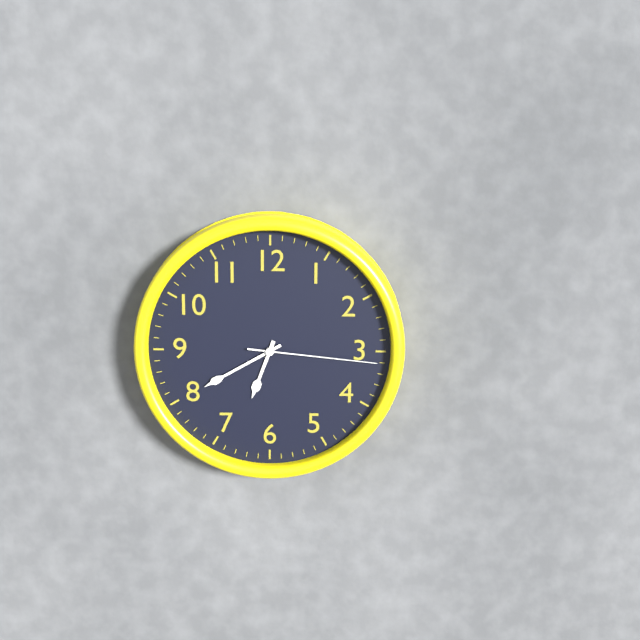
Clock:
6:40:16
